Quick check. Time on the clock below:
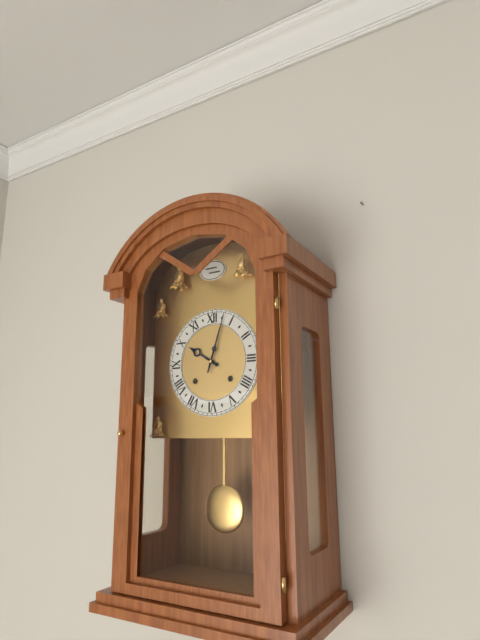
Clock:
10:03
